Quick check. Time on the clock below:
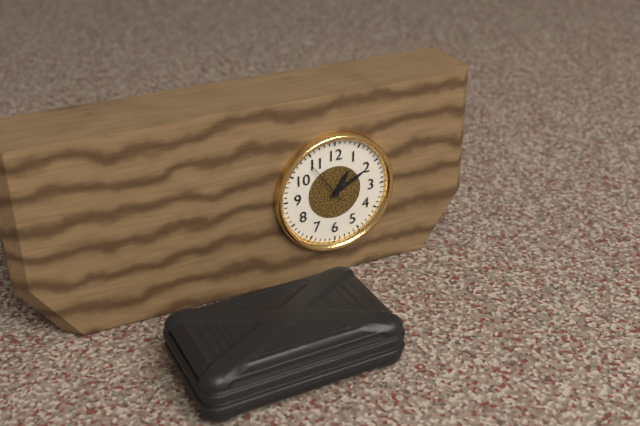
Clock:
1:10
